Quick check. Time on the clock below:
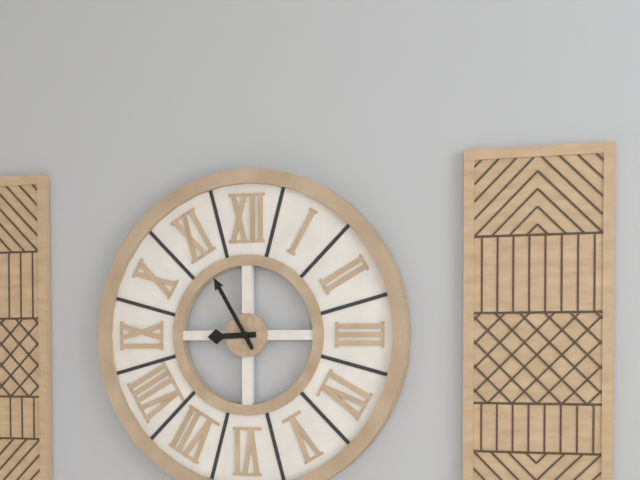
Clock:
8:55
